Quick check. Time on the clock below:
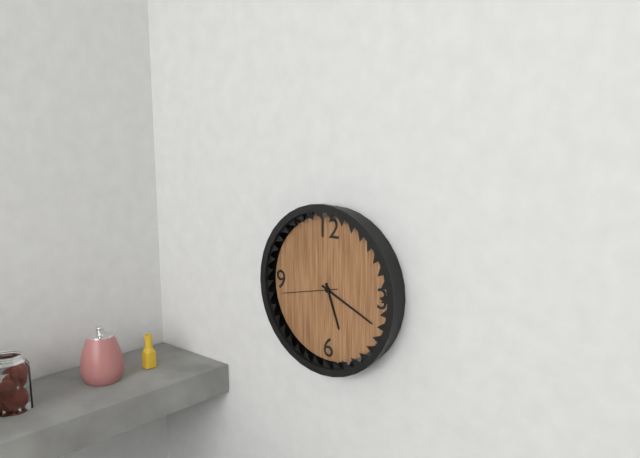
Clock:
5:19:43
